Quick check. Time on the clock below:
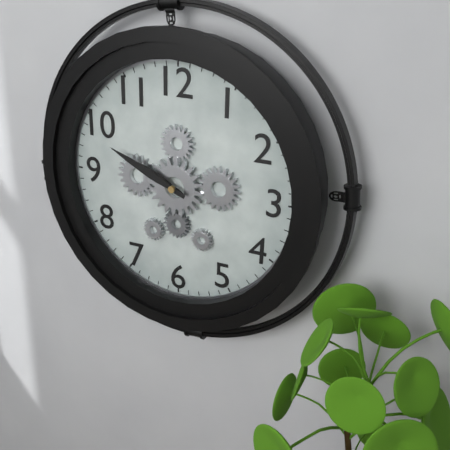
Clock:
9:49
